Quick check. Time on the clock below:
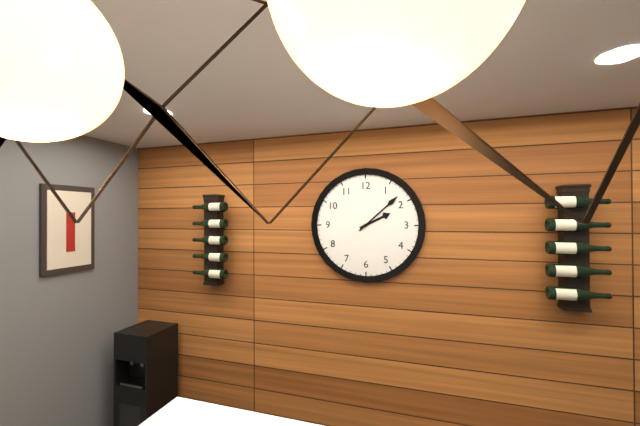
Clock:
2:08
